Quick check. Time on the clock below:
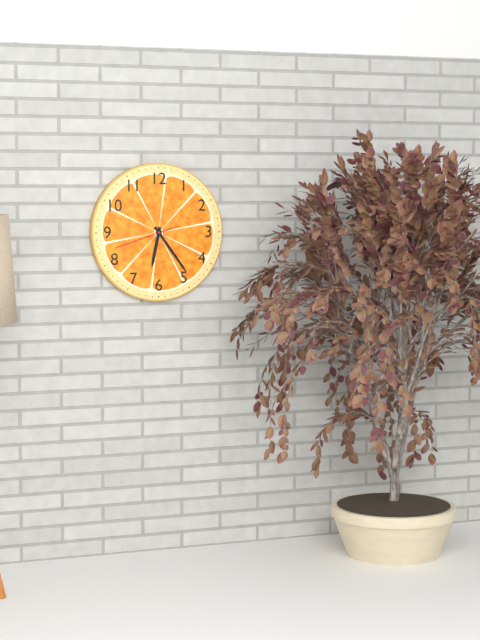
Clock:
6:24:42
